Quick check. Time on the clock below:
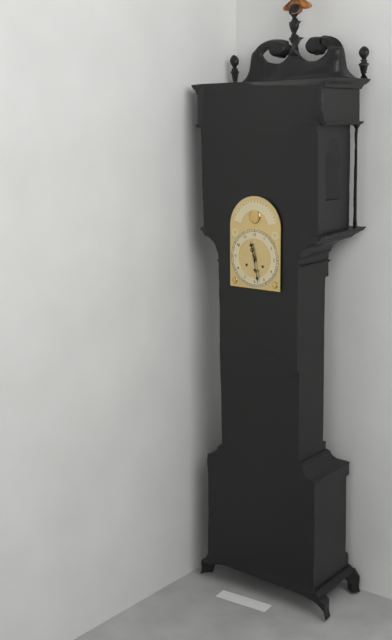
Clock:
11:28
